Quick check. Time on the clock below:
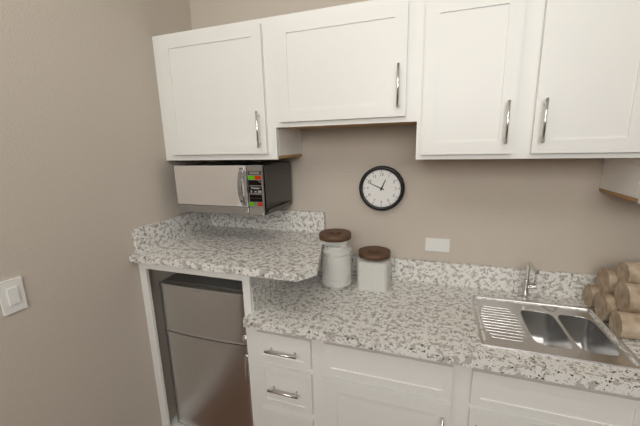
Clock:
12:49
